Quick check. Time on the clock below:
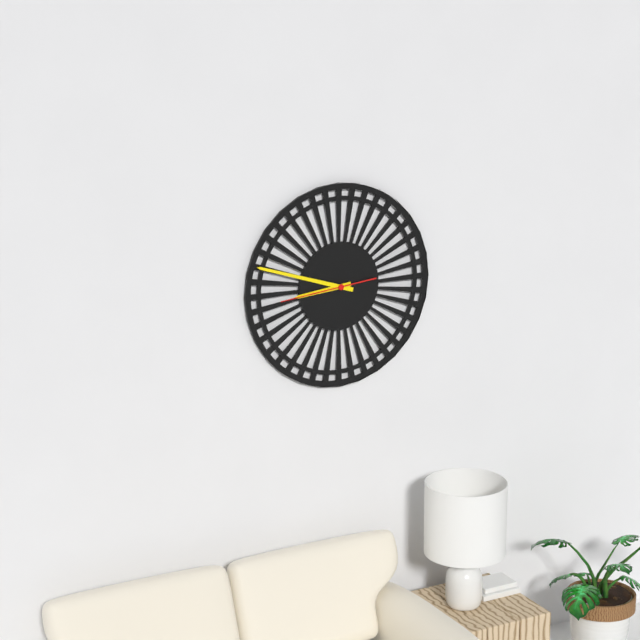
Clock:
8:48:44
